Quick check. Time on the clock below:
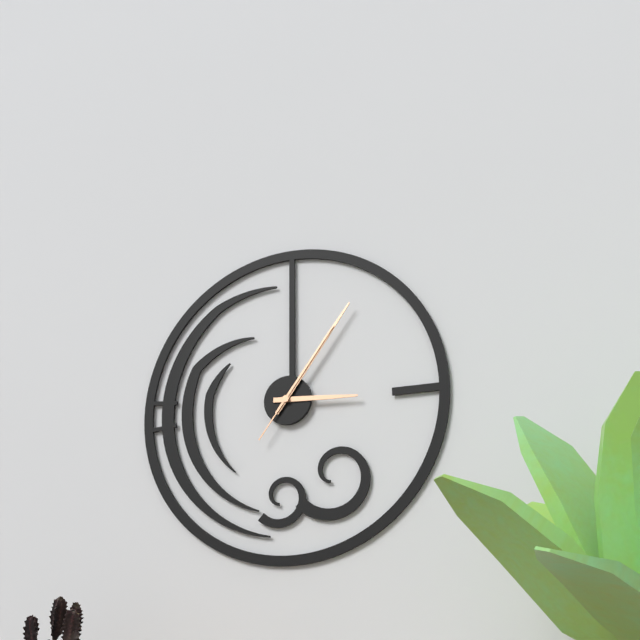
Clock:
3:06:06
